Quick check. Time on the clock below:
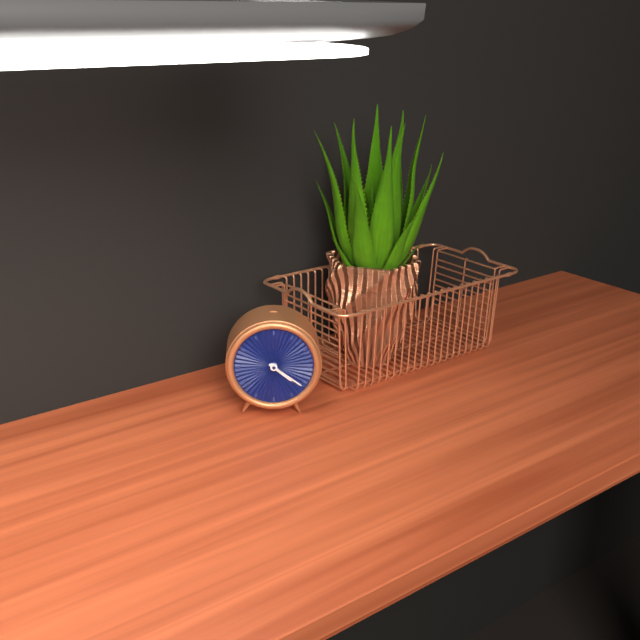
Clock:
4:21
